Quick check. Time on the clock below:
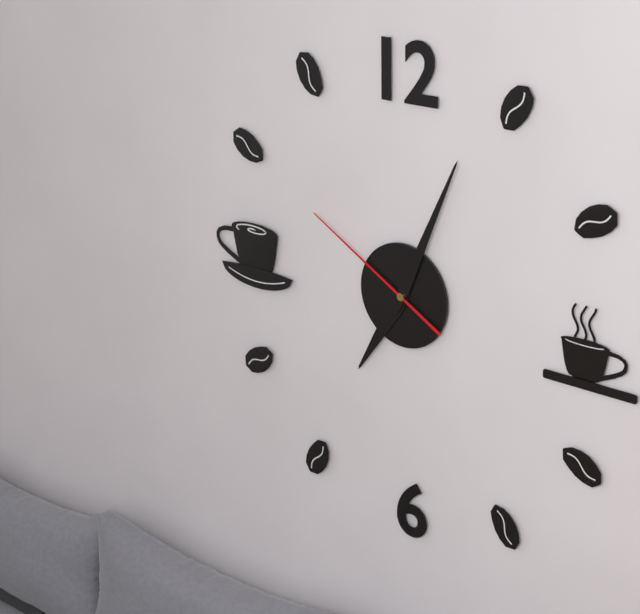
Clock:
7:04:50
